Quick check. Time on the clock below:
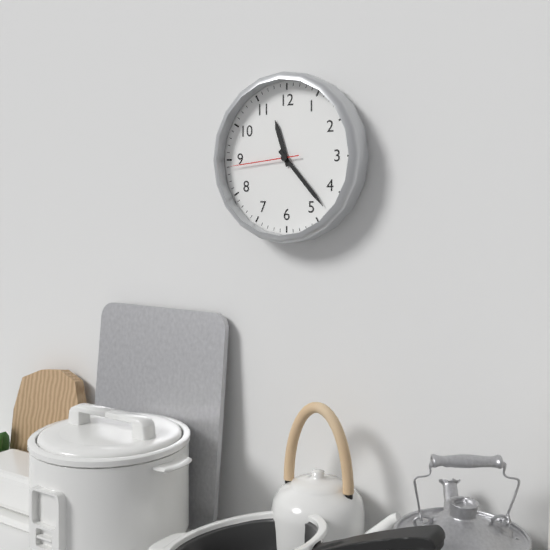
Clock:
11:23:44
